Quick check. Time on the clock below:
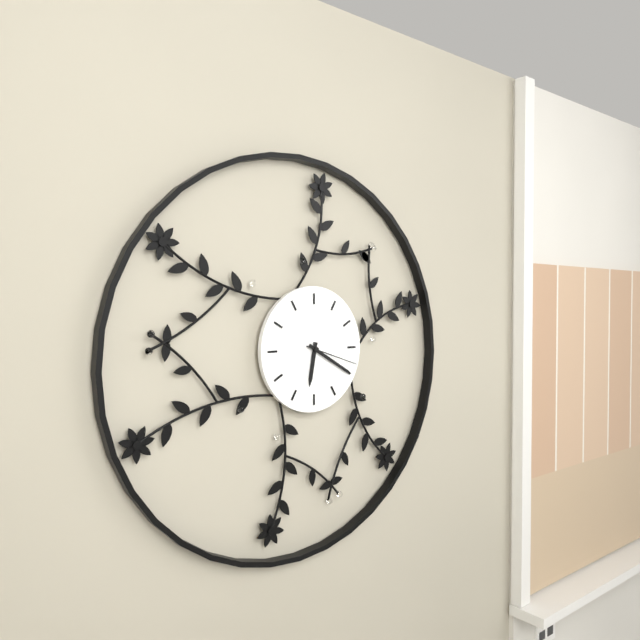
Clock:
6:20:18
